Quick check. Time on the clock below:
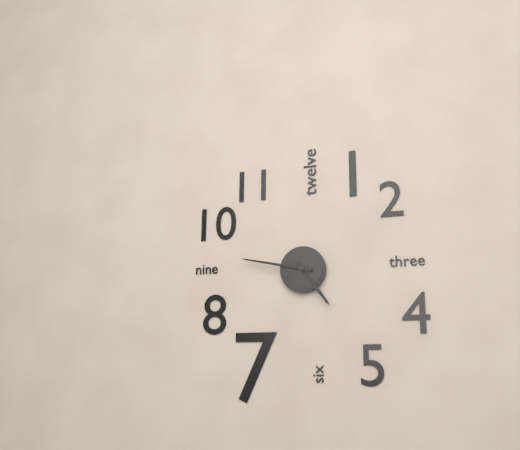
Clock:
4:47
